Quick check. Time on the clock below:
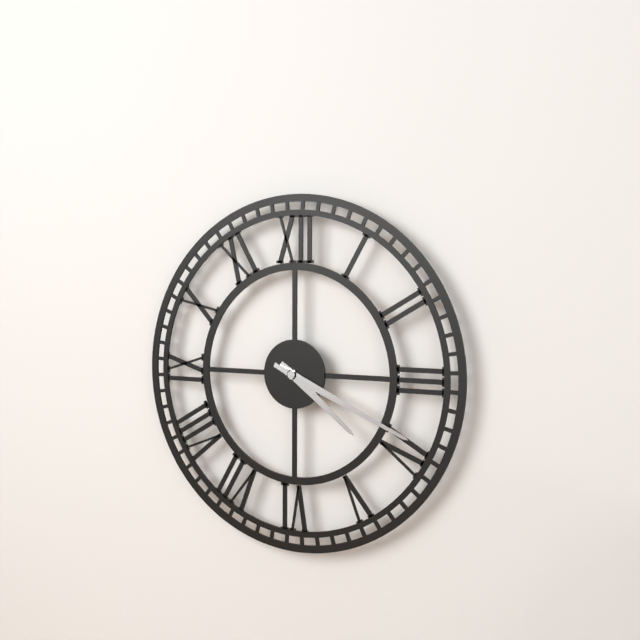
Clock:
4:19
